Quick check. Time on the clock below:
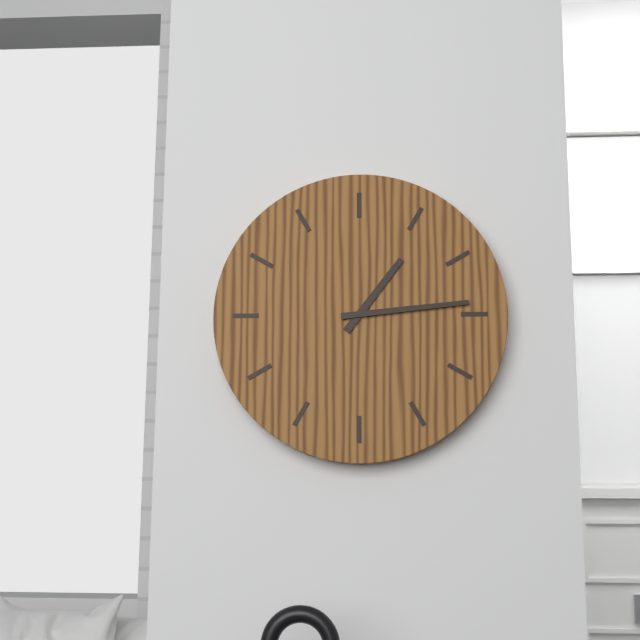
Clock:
1:14
